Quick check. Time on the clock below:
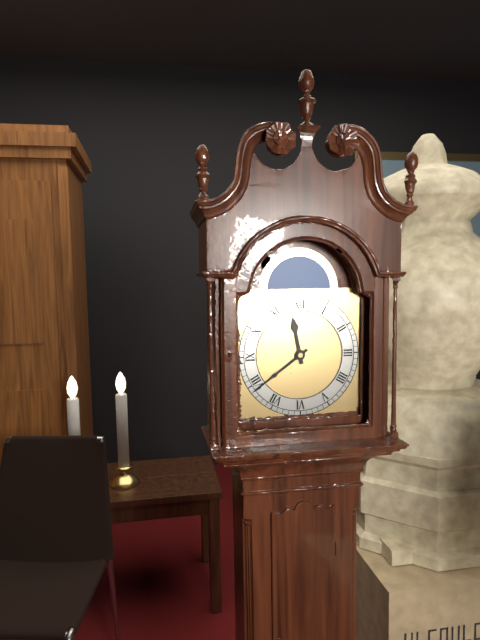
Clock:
11:39
